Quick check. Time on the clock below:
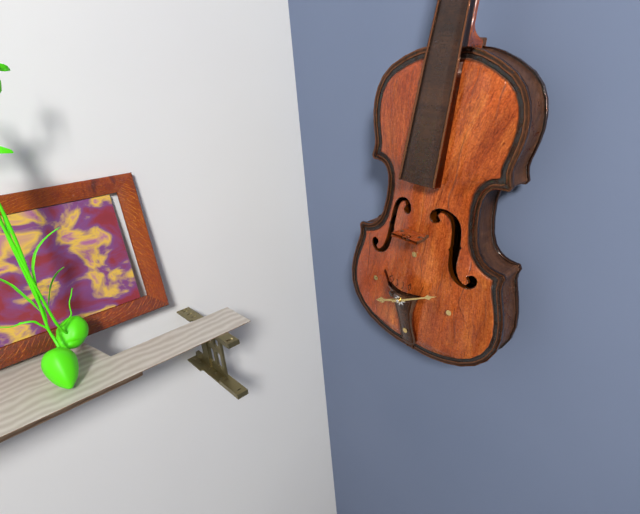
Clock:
8:10
